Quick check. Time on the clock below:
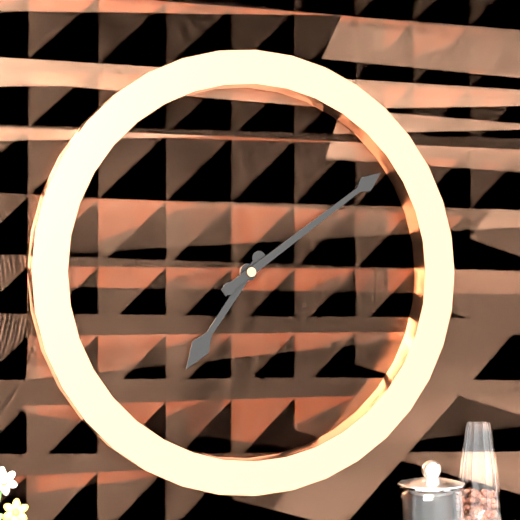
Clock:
7:09
